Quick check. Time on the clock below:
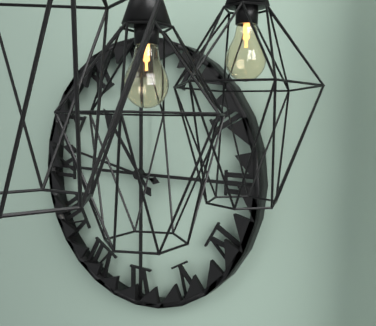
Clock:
10:47
